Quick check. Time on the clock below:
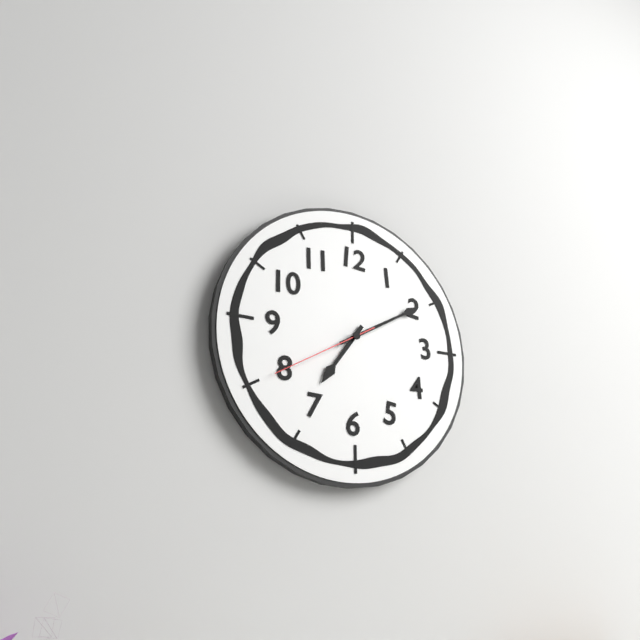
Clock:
7:10:40
